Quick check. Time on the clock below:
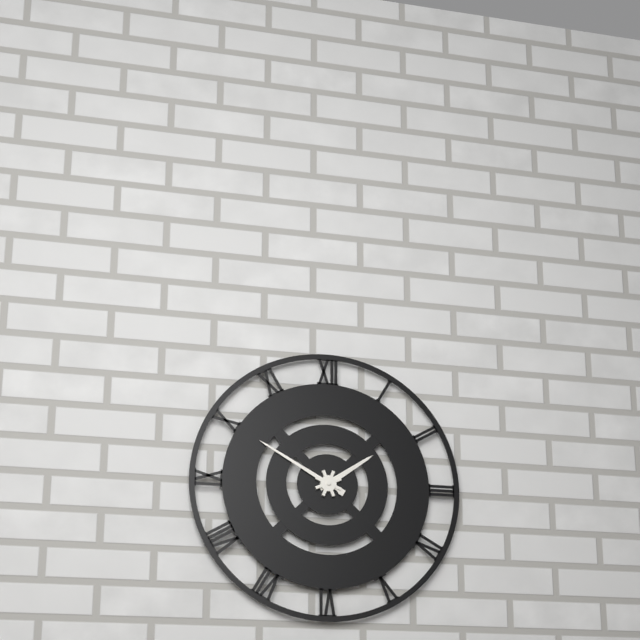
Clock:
1:50
